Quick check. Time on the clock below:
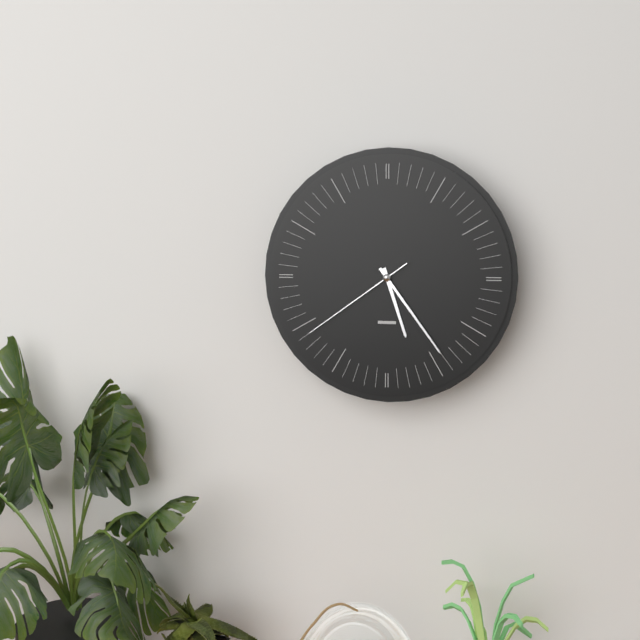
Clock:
5:24:39
